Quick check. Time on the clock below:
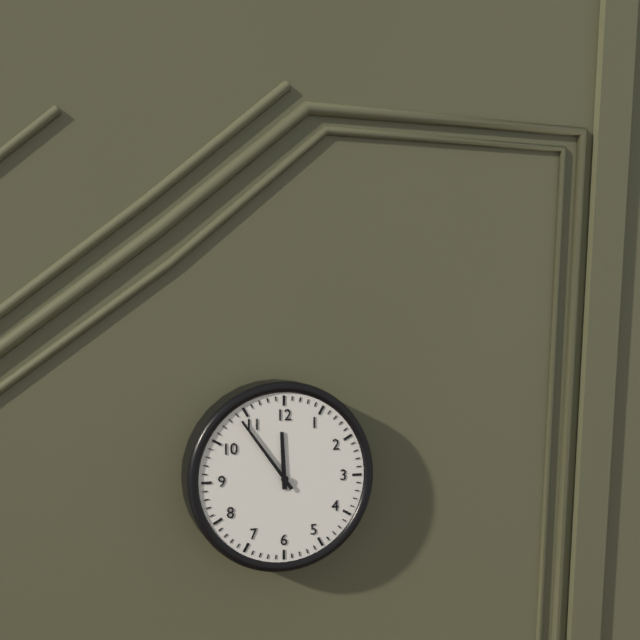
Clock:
11:54
